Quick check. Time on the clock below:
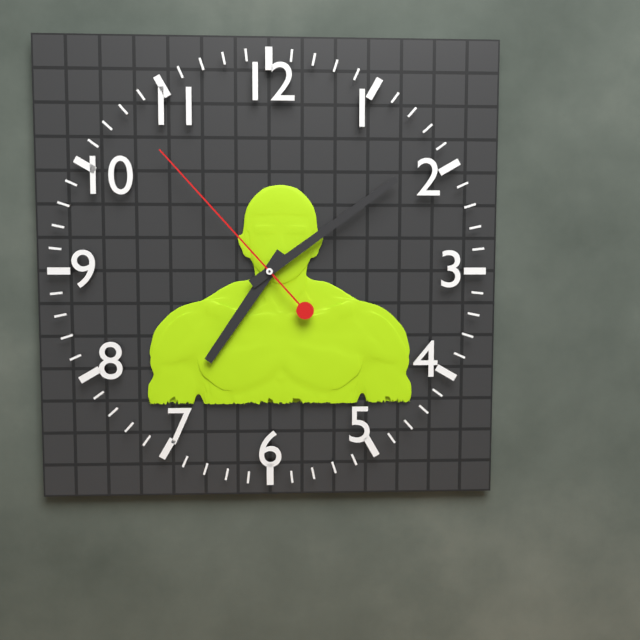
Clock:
7:09:53
